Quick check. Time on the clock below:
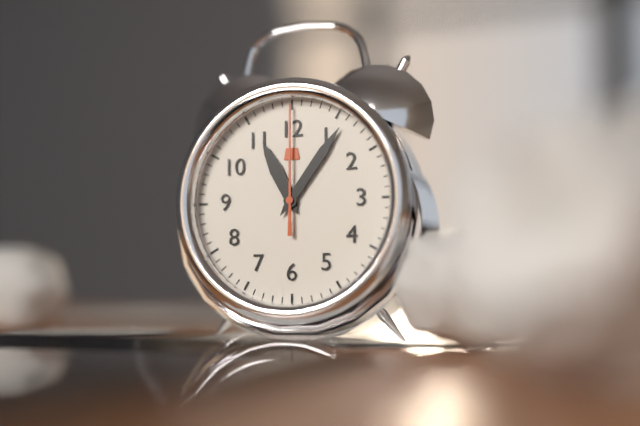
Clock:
11:06:00
